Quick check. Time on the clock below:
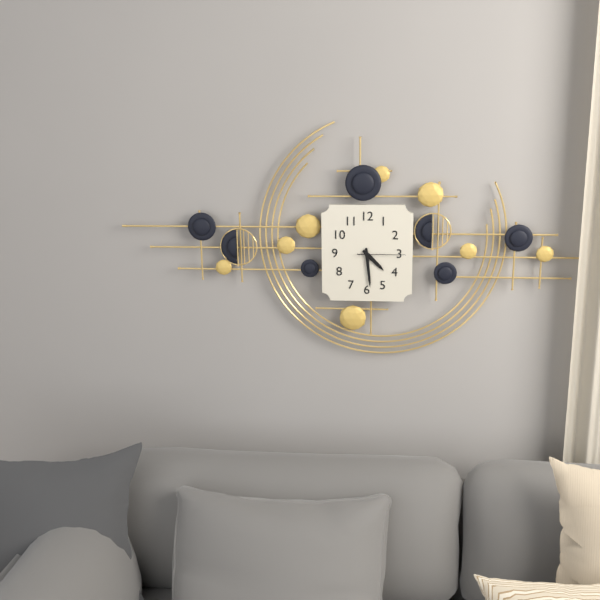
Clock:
4:29
